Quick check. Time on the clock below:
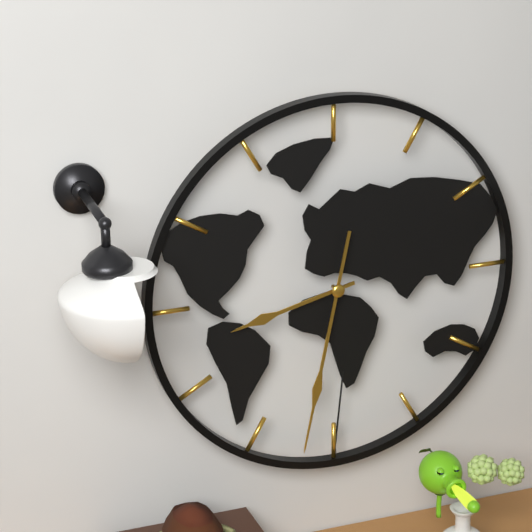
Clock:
8:32
